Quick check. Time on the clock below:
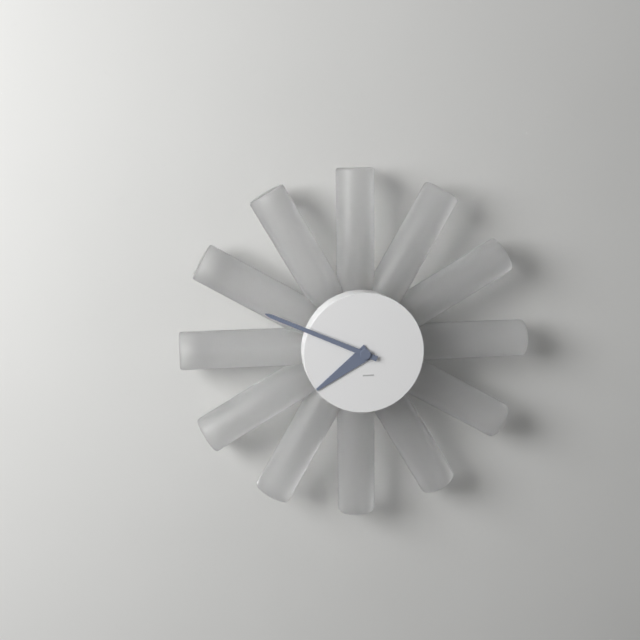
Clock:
7:49
